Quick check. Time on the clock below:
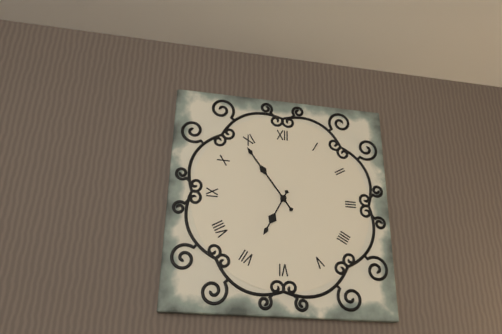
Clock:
6:54
